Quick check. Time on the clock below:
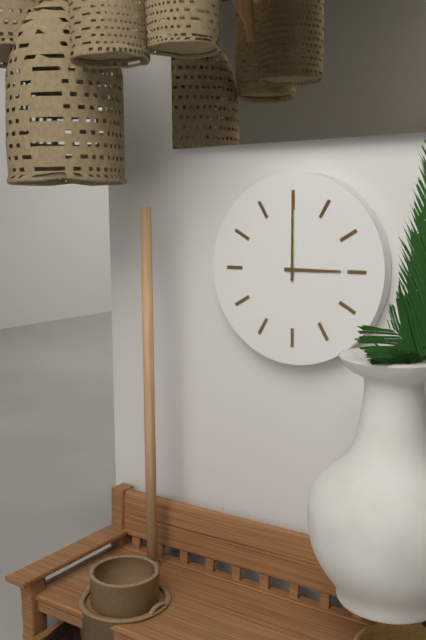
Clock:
3:00
